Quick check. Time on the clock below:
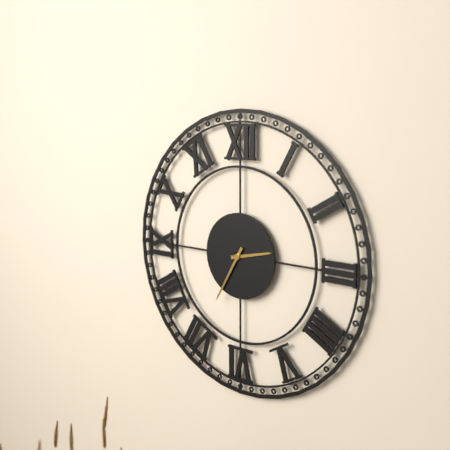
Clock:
2:35
